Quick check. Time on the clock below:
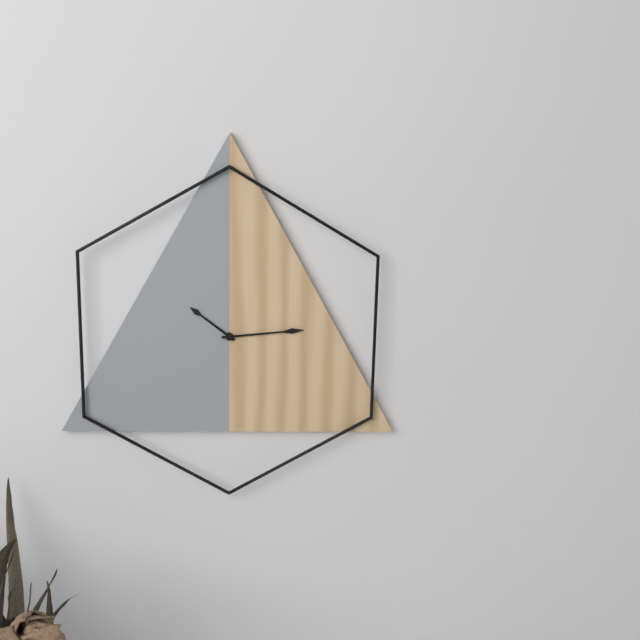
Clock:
10:14
